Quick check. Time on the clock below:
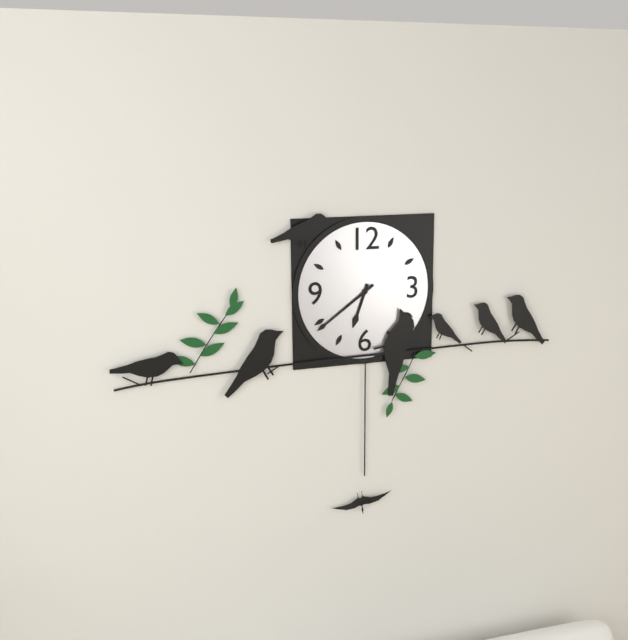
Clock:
6:39
